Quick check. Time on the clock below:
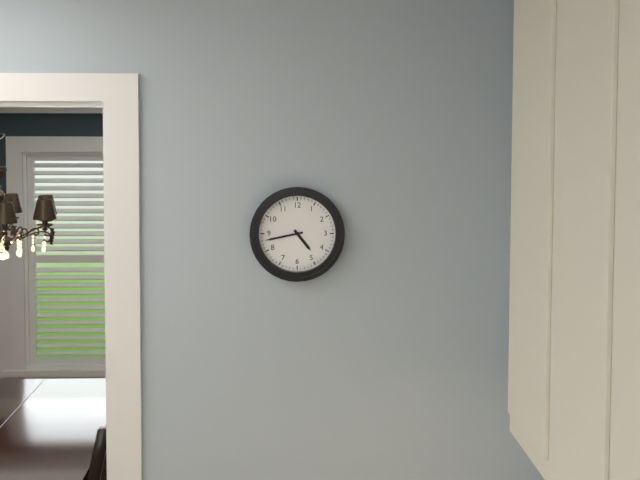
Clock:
4:43
